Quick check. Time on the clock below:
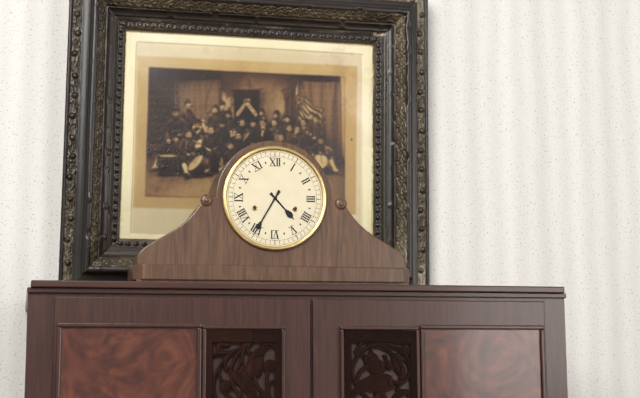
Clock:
4:35
